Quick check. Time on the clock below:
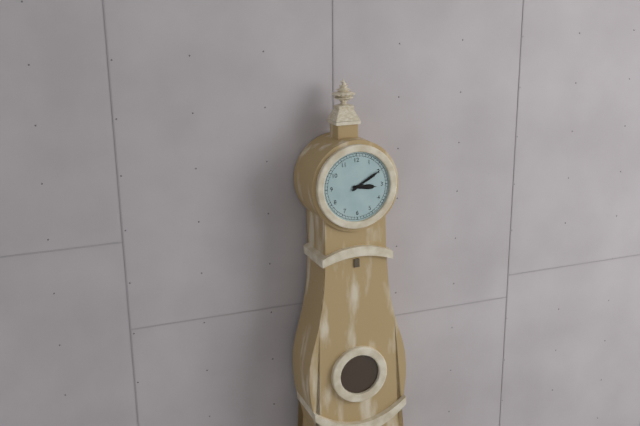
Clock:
3:10
